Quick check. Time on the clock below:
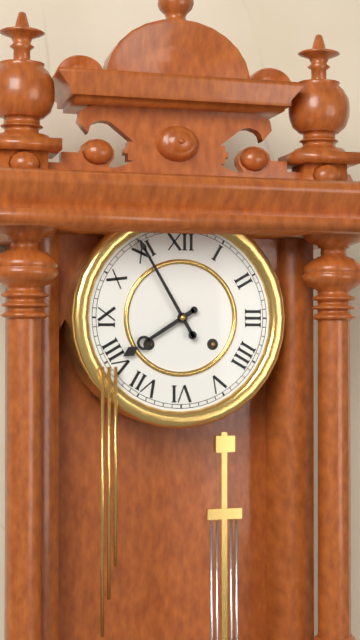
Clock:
7:55
